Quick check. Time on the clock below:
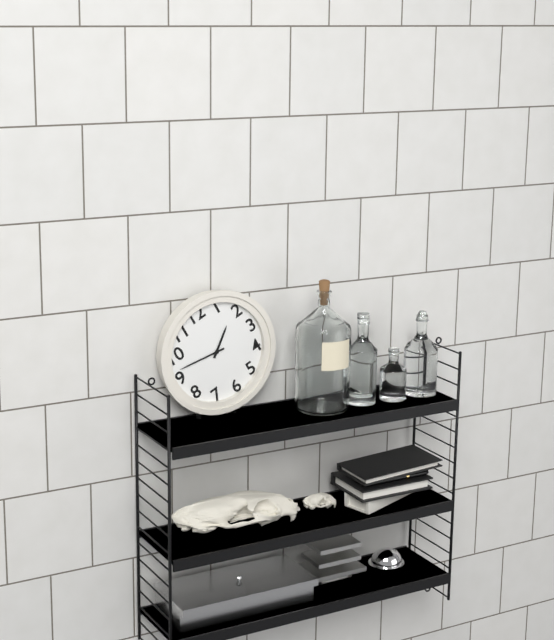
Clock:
1:47
